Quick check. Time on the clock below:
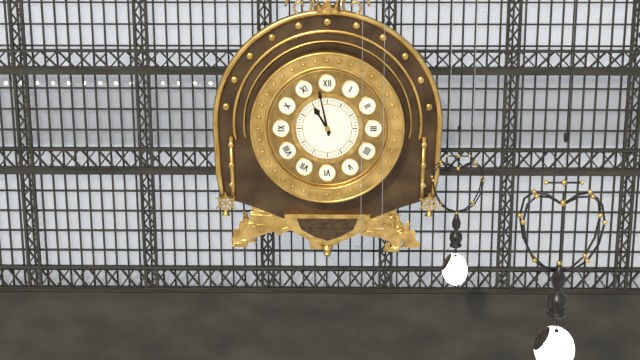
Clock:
10:58
